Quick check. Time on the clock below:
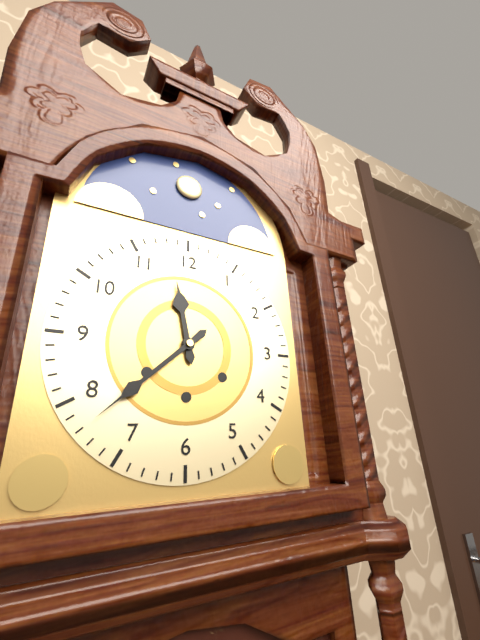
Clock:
11:38
